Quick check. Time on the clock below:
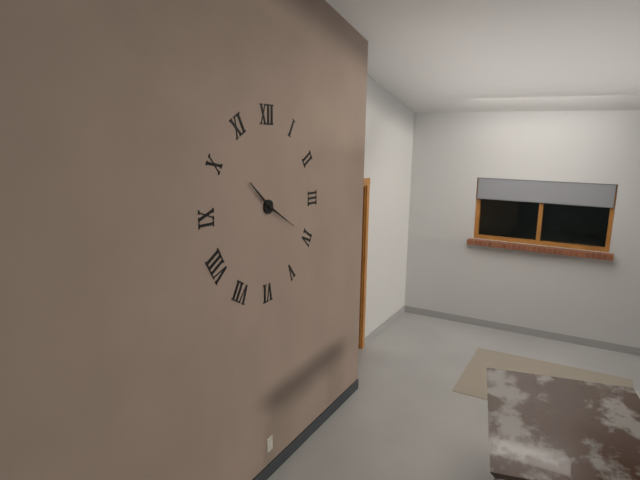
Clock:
10:20
